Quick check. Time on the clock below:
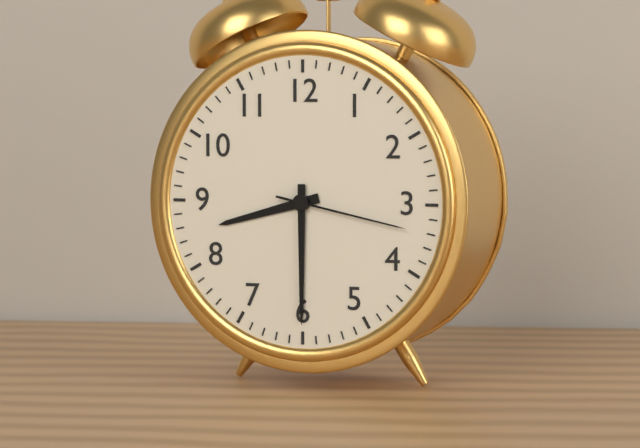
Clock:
8:30:17
